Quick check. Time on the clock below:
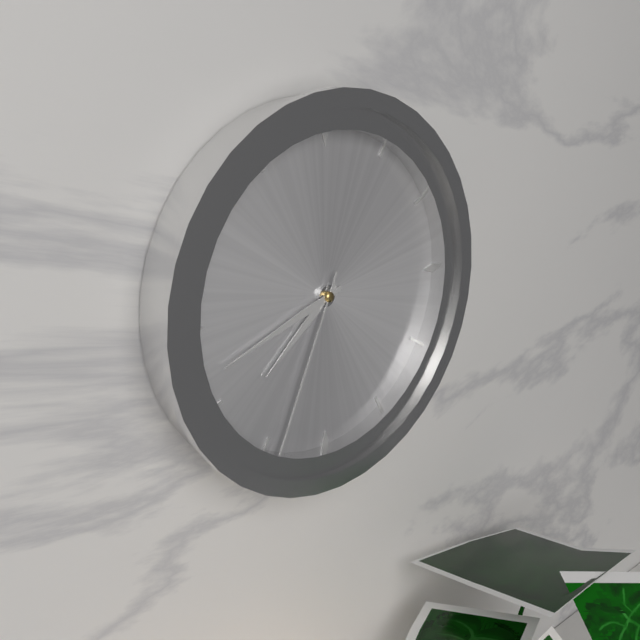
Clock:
7:42:34
